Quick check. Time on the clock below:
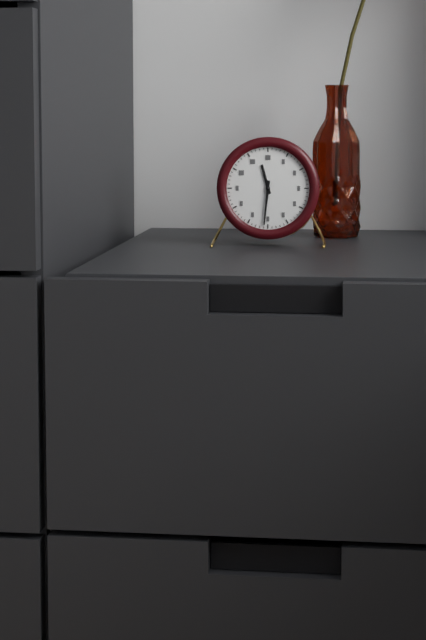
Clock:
11:31
